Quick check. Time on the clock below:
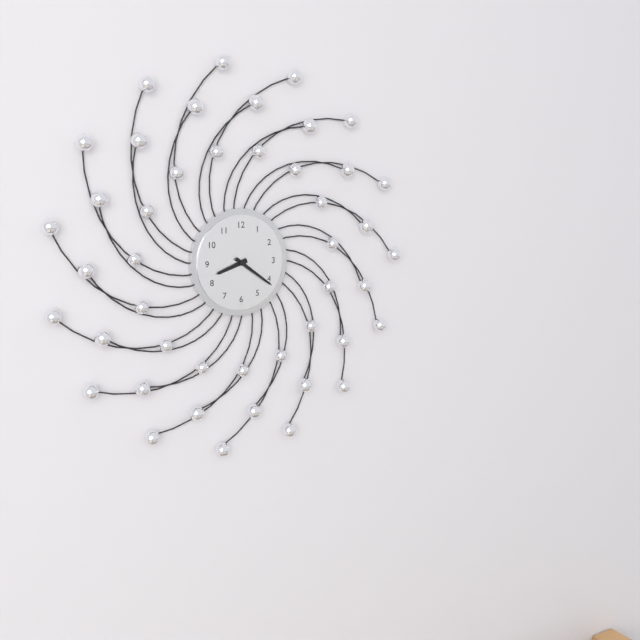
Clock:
8:21
